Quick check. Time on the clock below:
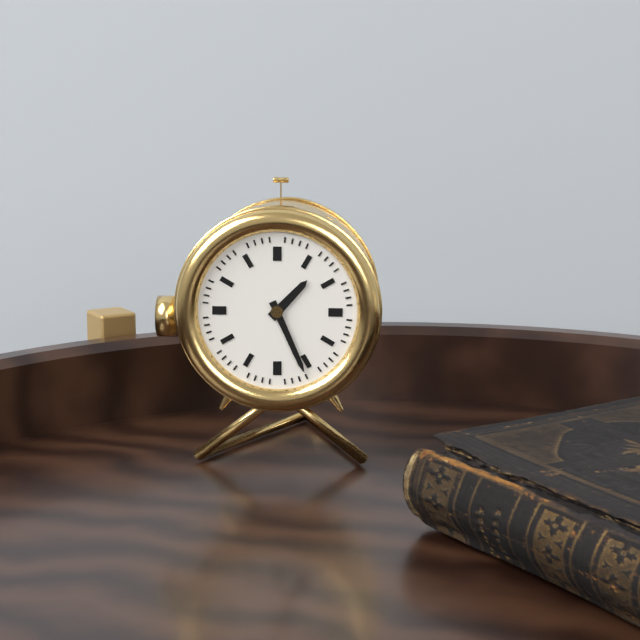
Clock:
1:26
